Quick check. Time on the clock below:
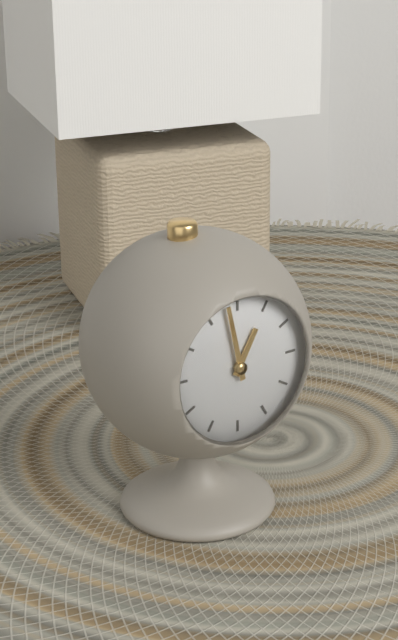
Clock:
12:58
